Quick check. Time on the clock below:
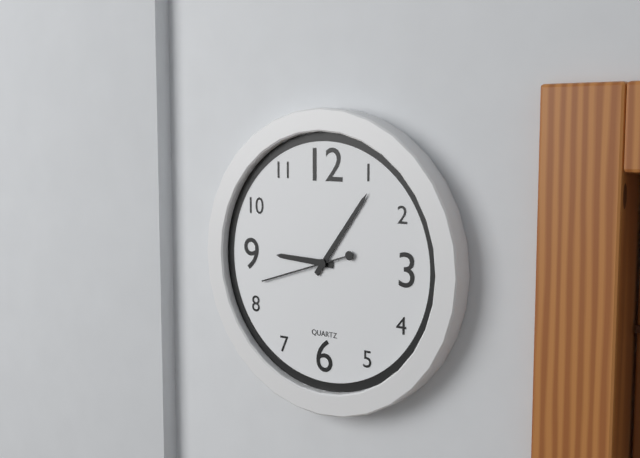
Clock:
9:06:42
